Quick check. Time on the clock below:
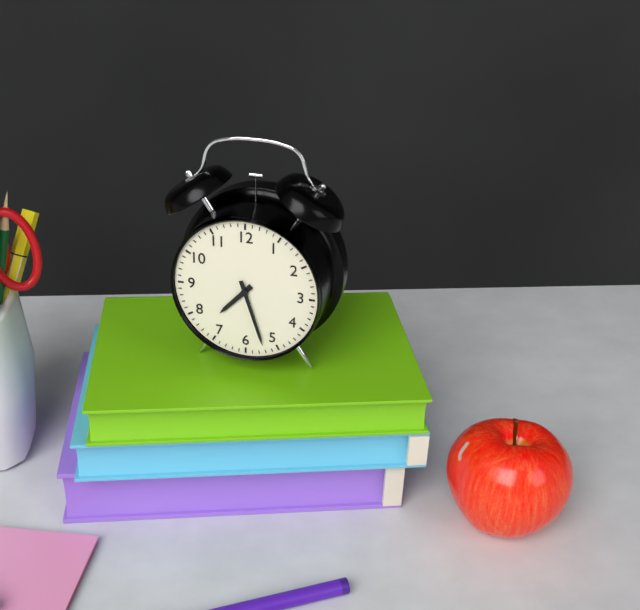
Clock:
7:27
